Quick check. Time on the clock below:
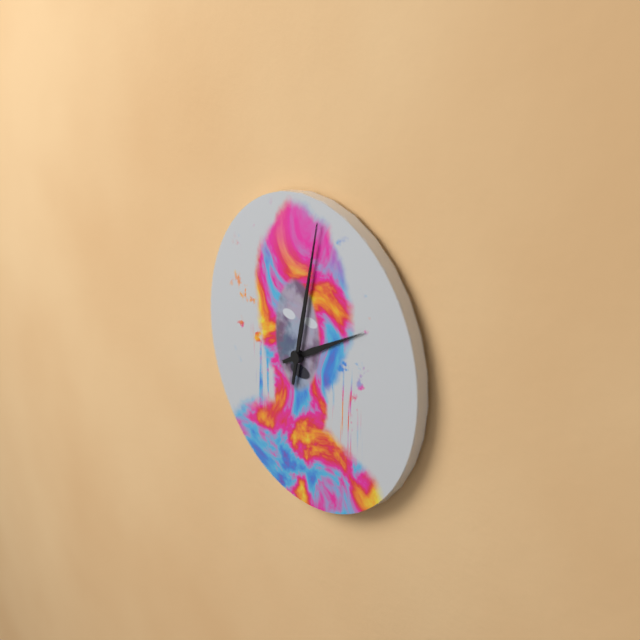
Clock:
2:02
